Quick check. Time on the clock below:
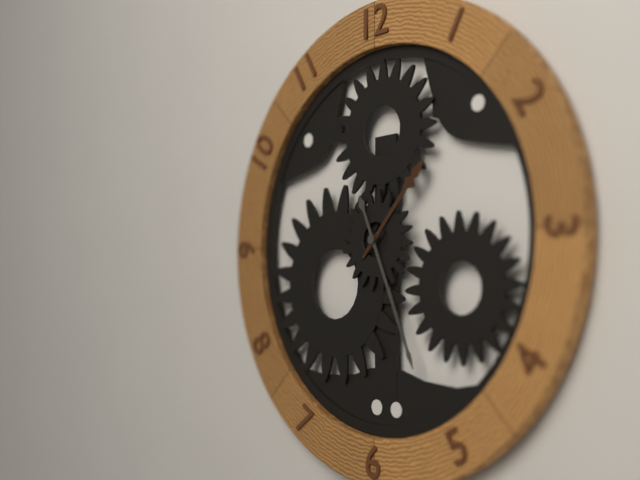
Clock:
1:26
